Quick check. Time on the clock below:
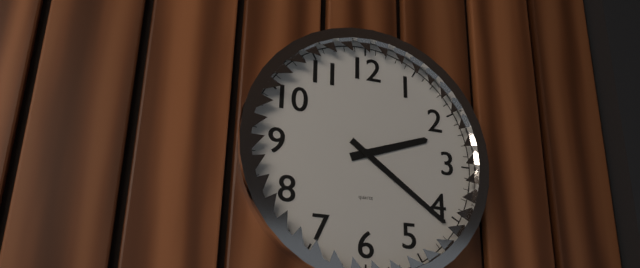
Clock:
2:21
